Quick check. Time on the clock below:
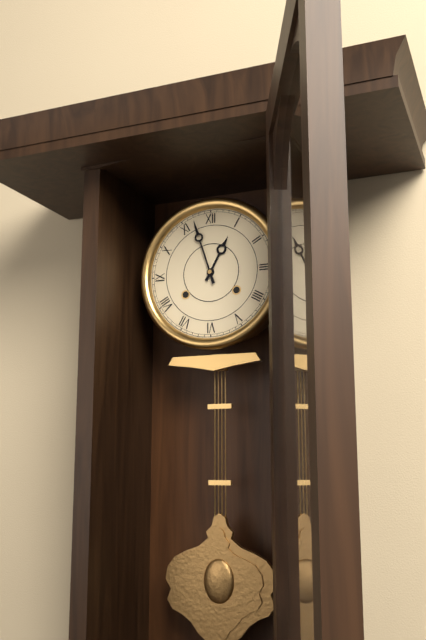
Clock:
12:57
